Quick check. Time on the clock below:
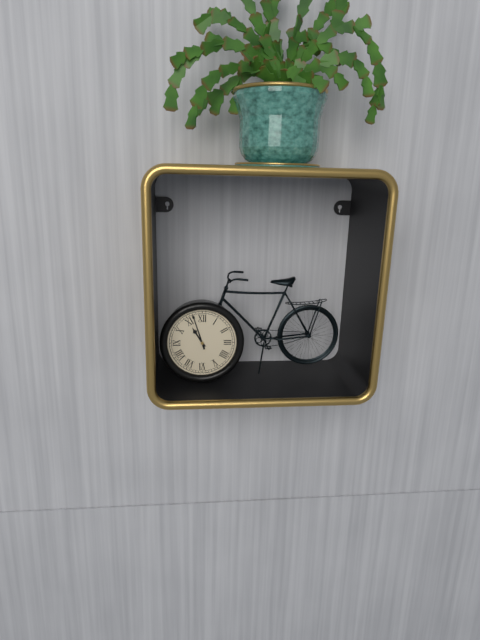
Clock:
10:57
